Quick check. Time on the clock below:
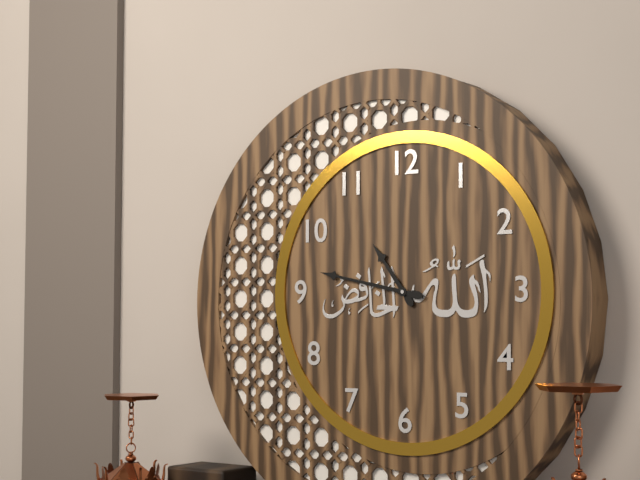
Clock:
10:47
